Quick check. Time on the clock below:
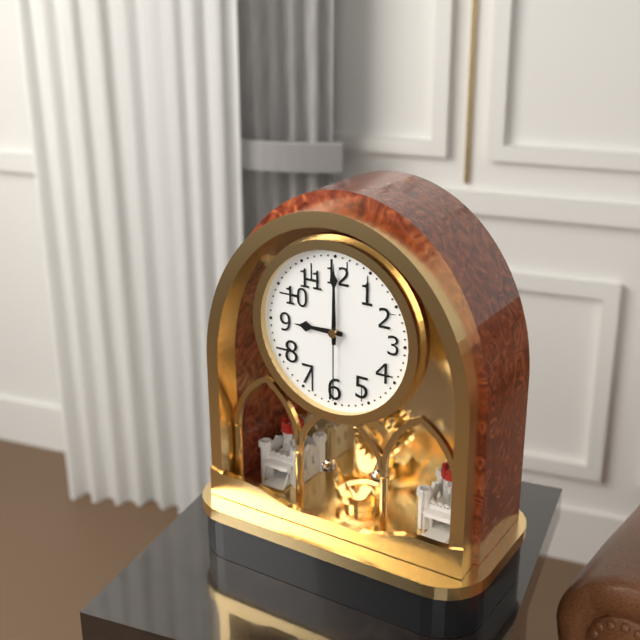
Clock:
9:00:30
